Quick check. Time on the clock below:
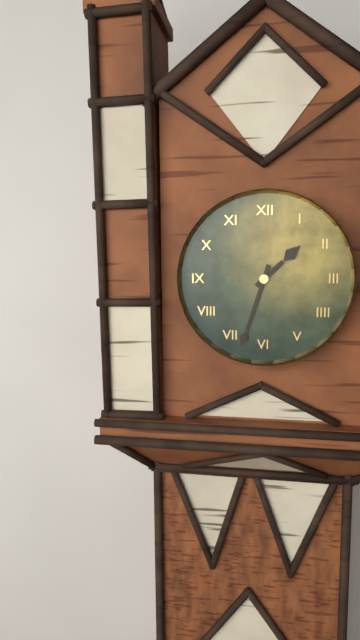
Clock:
1:33
